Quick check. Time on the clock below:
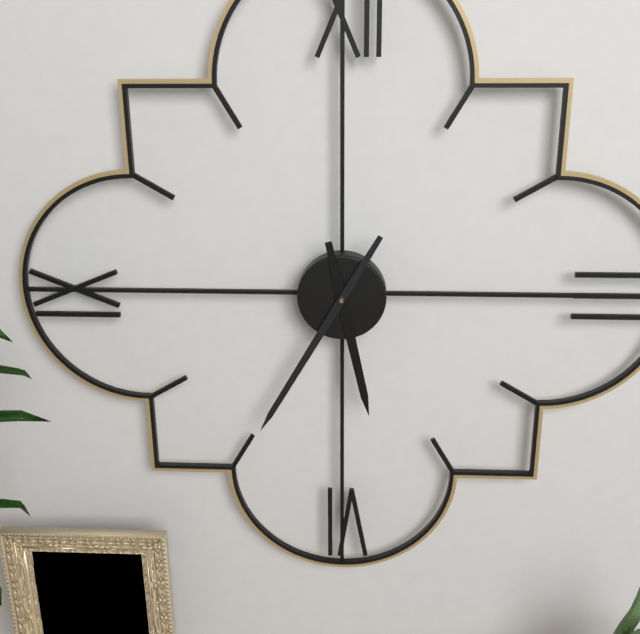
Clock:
5:35
